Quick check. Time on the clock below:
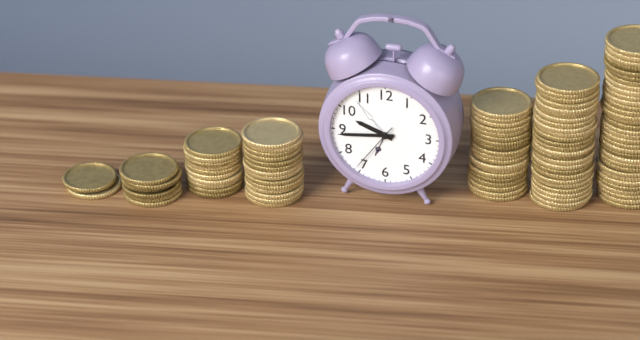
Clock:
9:44:36
